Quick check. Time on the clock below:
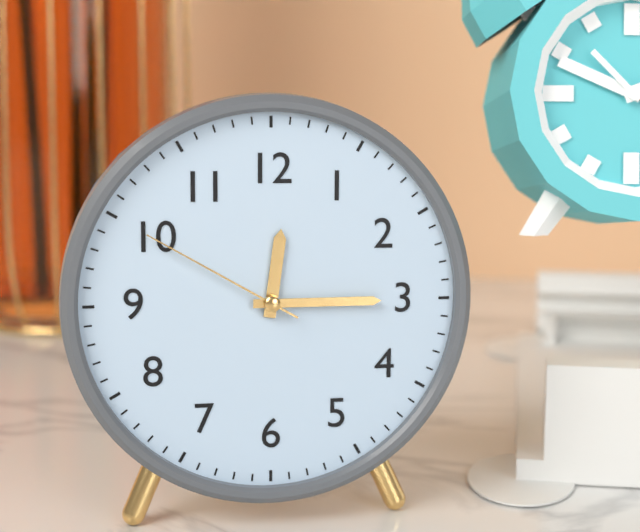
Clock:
12:15:50
